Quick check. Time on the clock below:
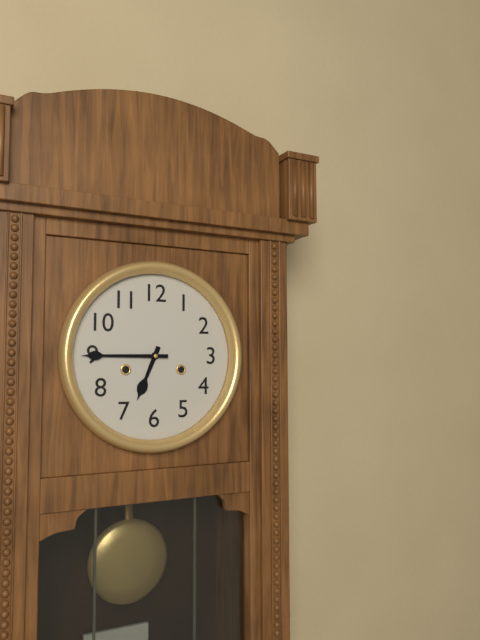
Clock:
6:45
